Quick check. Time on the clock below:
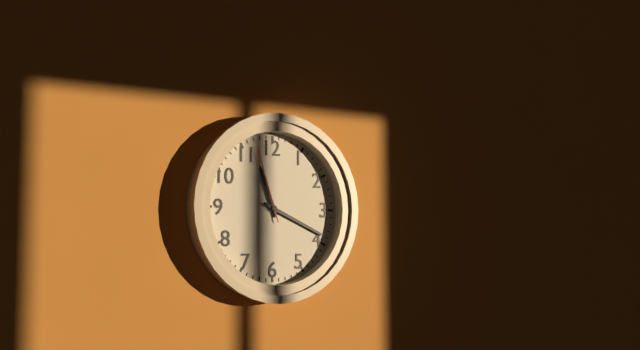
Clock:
11:19:57
